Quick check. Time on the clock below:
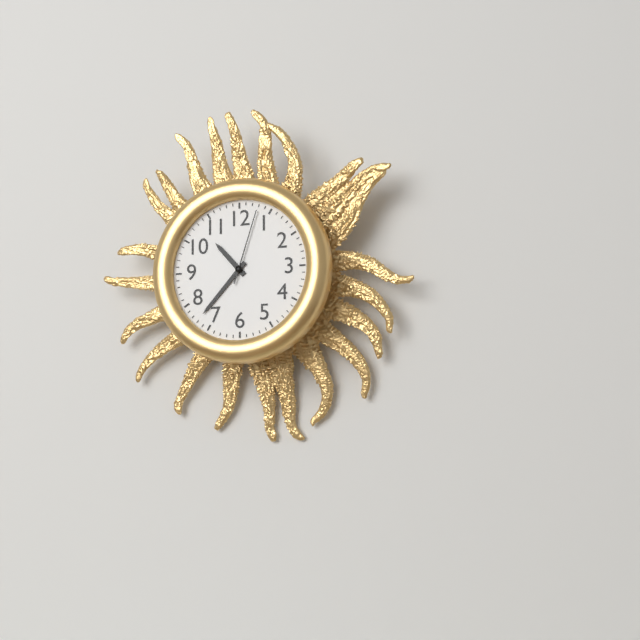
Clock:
10:37:03
